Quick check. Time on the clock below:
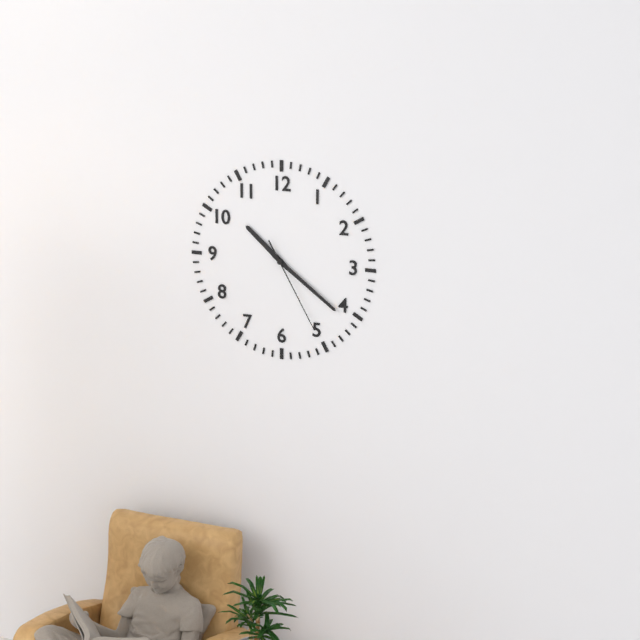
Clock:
10:21:25
